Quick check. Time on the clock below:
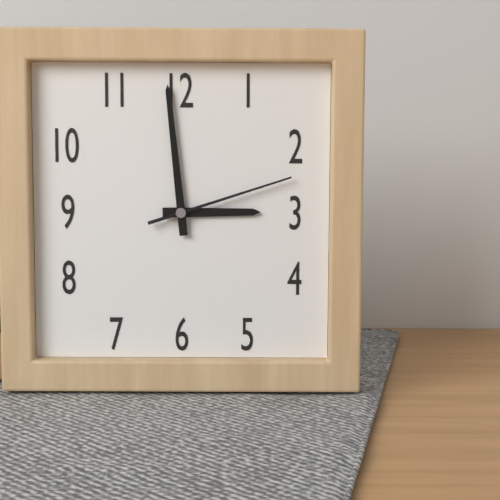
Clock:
2:59:12
